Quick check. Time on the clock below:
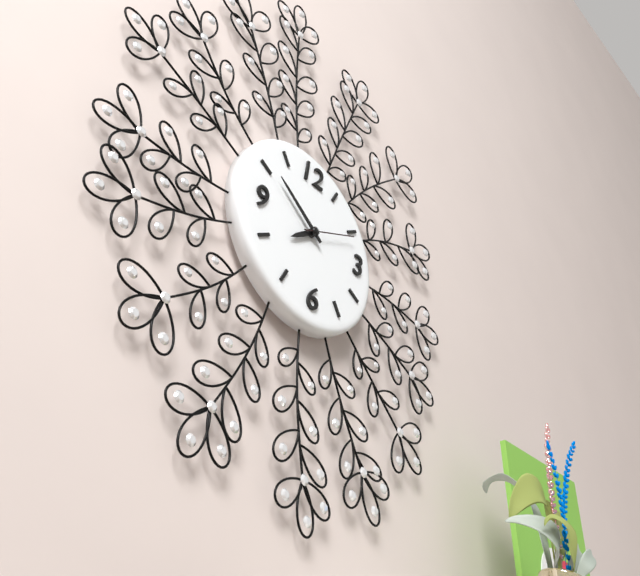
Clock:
7:51
